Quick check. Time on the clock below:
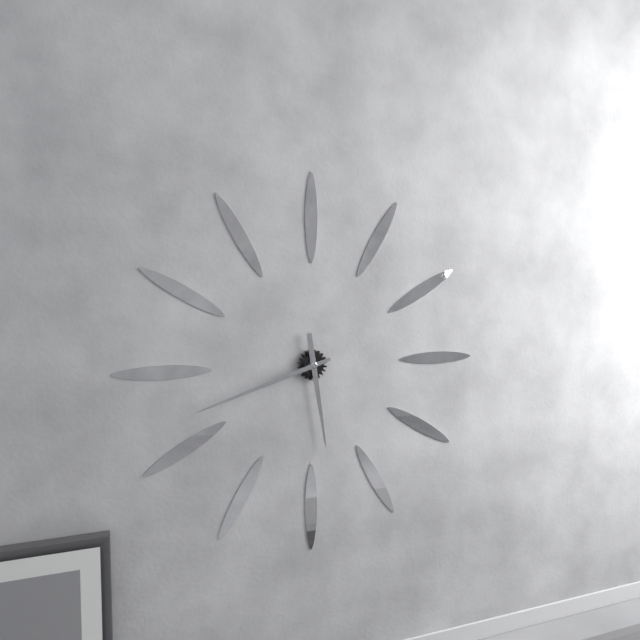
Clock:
5:42
